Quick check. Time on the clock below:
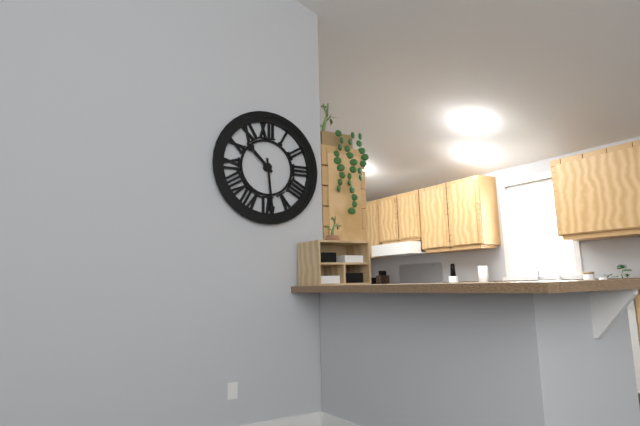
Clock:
10:29
